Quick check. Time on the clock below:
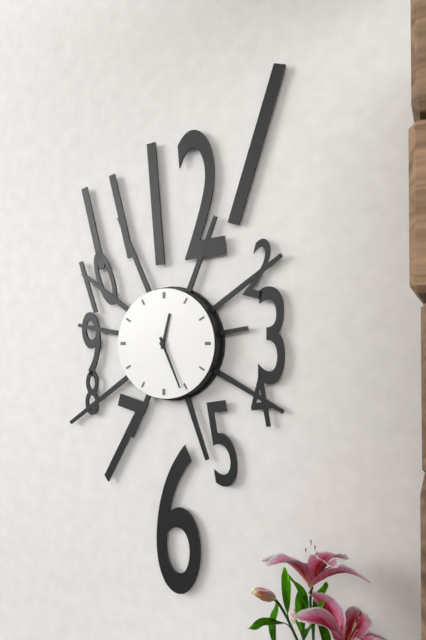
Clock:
12:26
